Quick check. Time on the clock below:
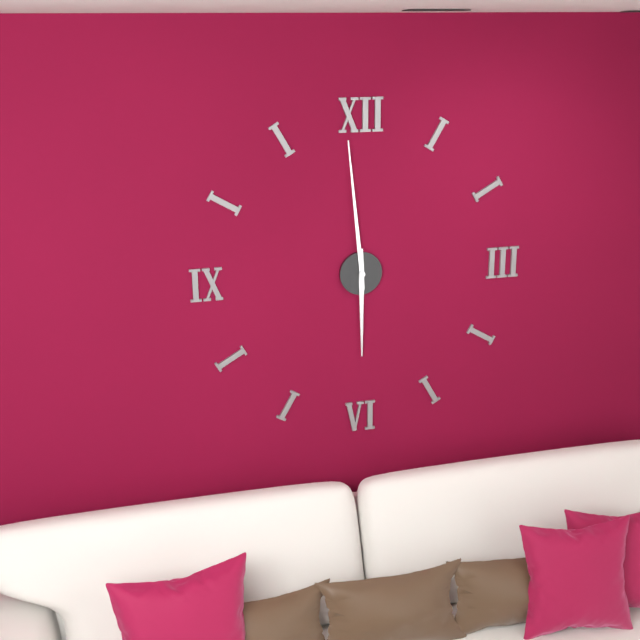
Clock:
5:59
